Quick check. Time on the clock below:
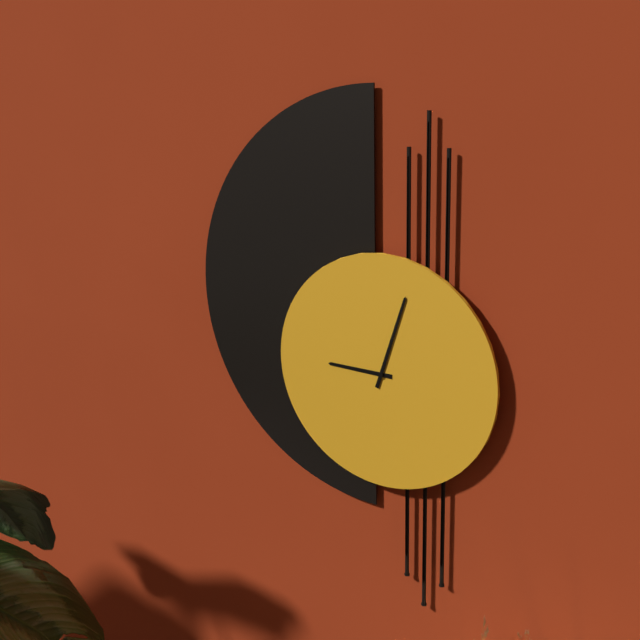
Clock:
9:03
